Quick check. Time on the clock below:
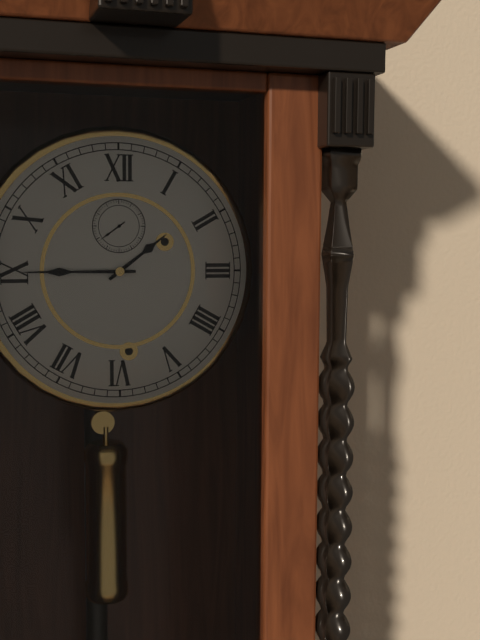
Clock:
1:45
